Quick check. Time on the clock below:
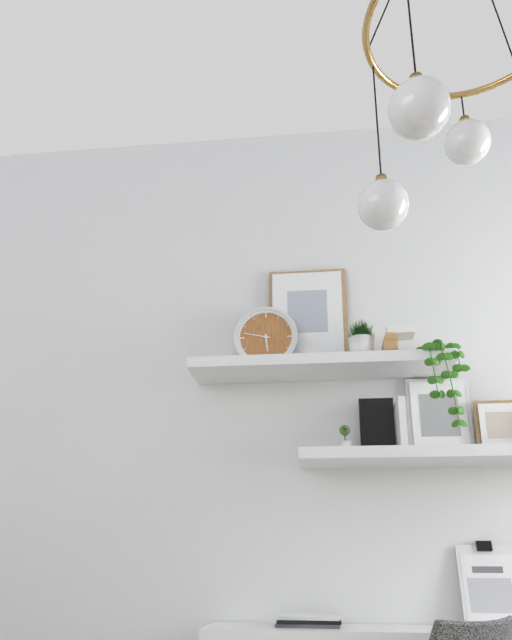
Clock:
5:47
